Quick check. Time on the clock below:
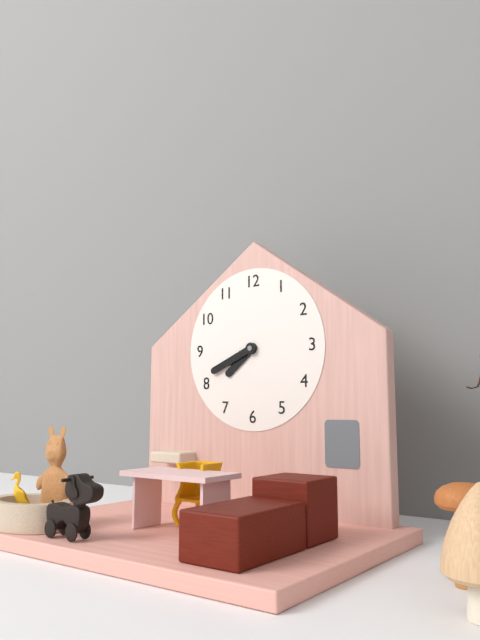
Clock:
7:41
